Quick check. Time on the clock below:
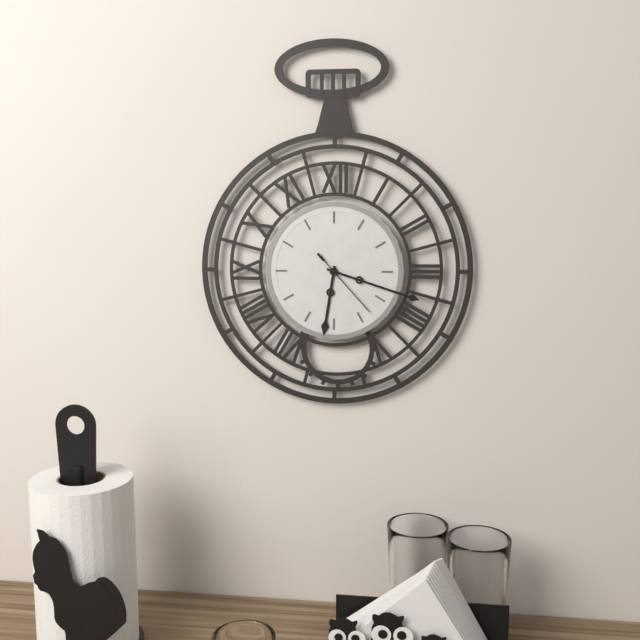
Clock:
6:18:23
